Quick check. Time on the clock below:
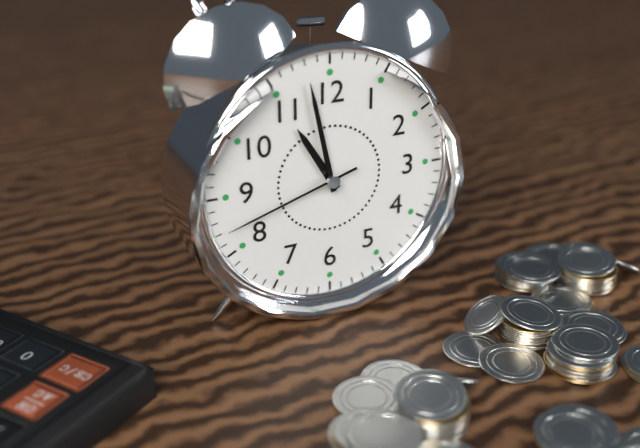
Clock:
10:58:42
